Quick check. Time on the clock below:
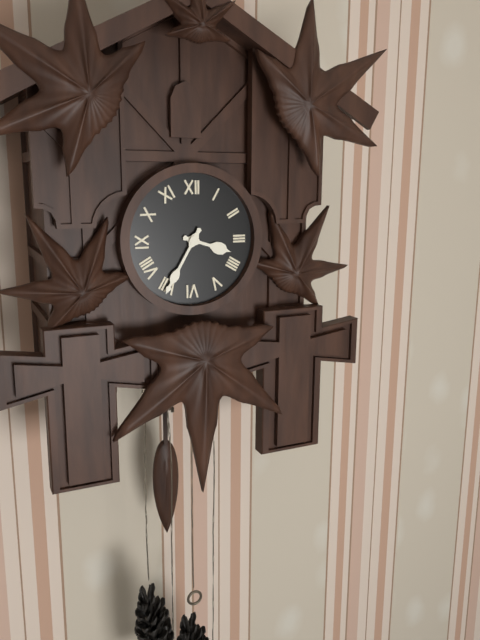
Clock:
3:35
